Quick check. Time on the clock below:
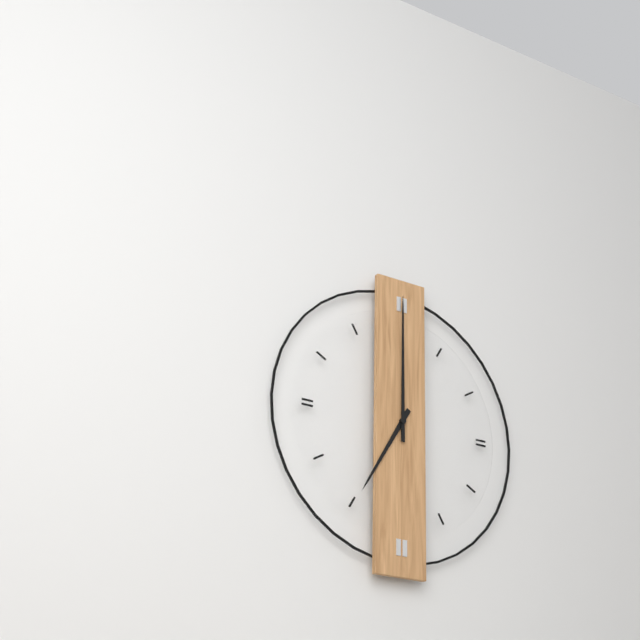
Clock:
7:00
